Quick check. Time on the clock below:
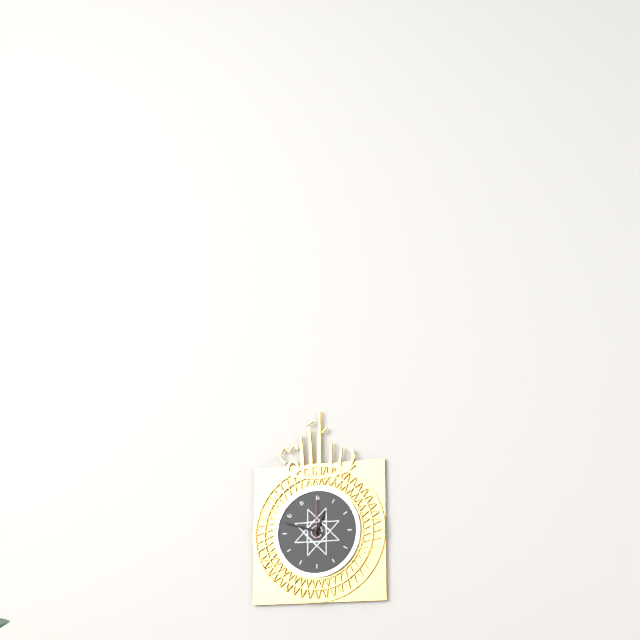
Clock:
12:48
